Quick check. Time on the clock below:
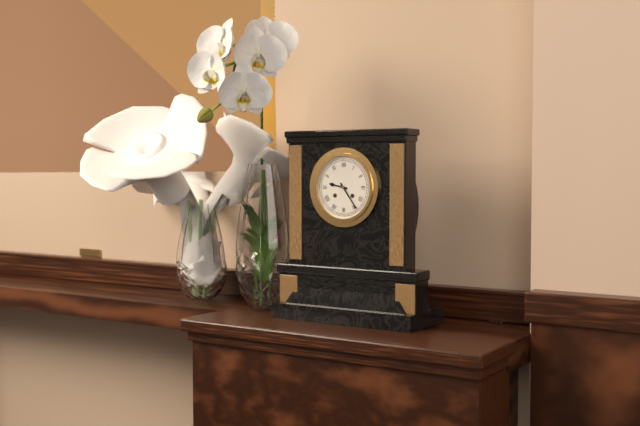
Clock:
9:24
